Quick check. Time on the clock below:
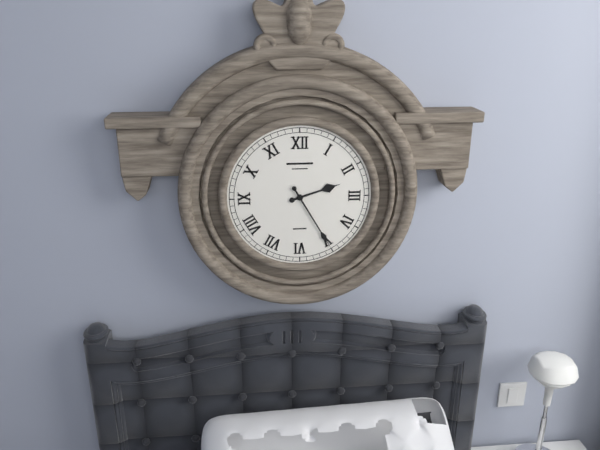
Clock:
2:25
